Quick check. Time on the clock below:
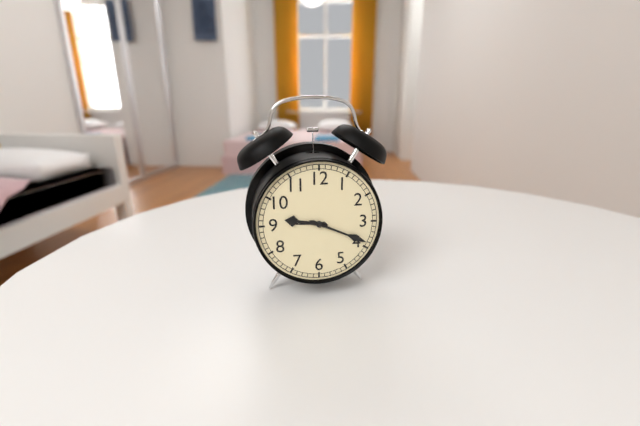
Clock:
9:19
